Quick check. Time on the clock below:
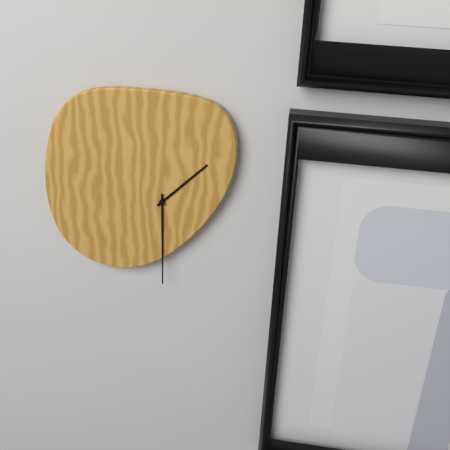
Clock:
1:30
